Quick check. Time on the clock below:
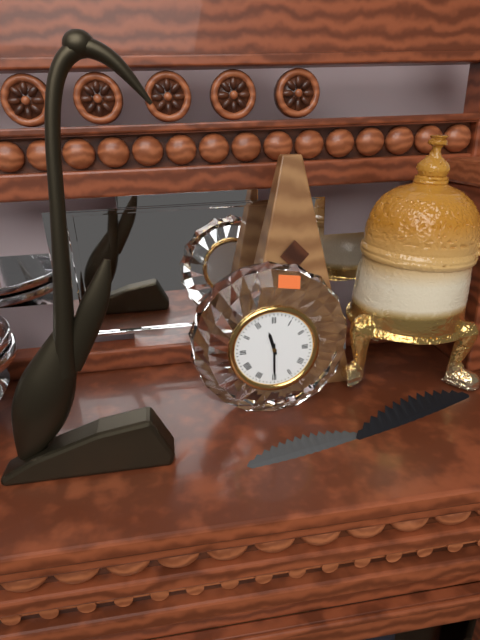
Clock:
11:30
